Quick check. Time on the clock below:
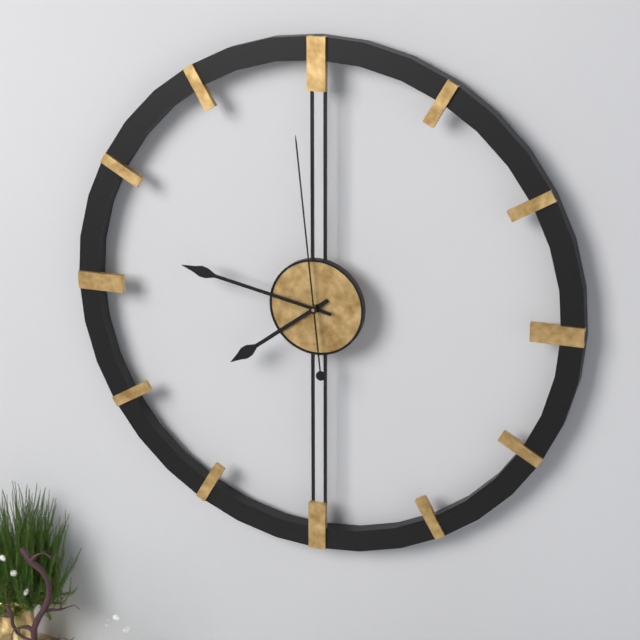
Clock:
7:47:59
